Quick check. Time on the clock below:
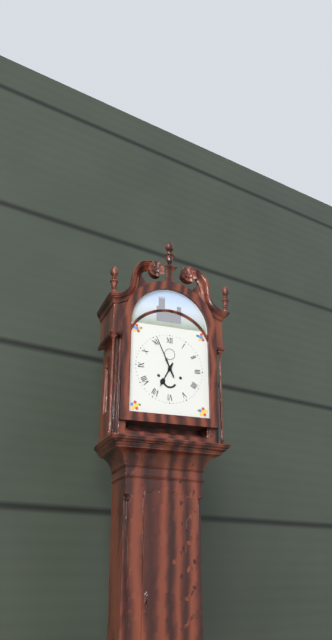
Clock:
6:56
